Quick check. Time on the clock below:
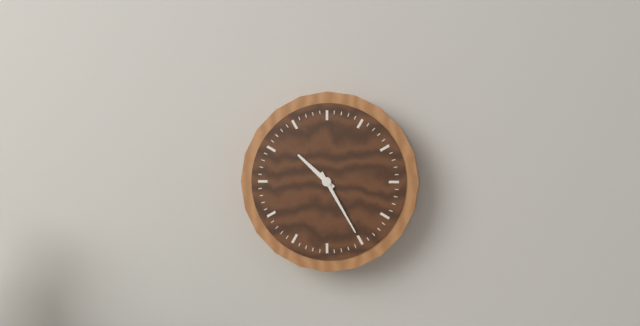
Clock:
10:25
